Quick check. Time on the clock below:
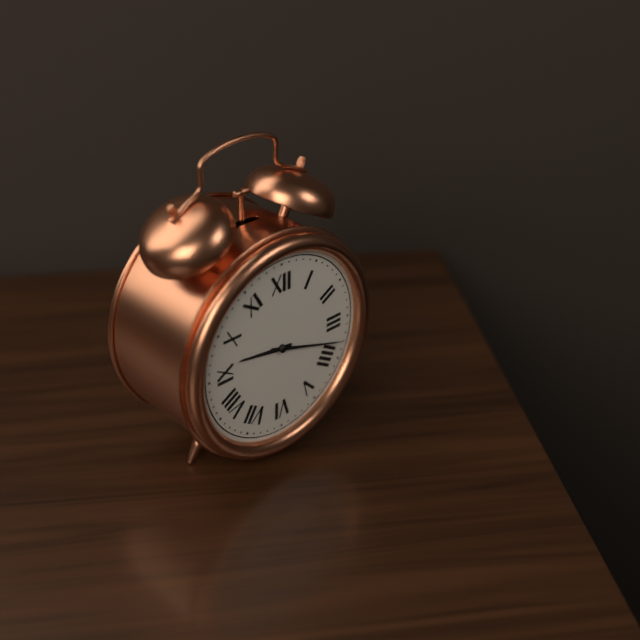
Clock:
9:18
